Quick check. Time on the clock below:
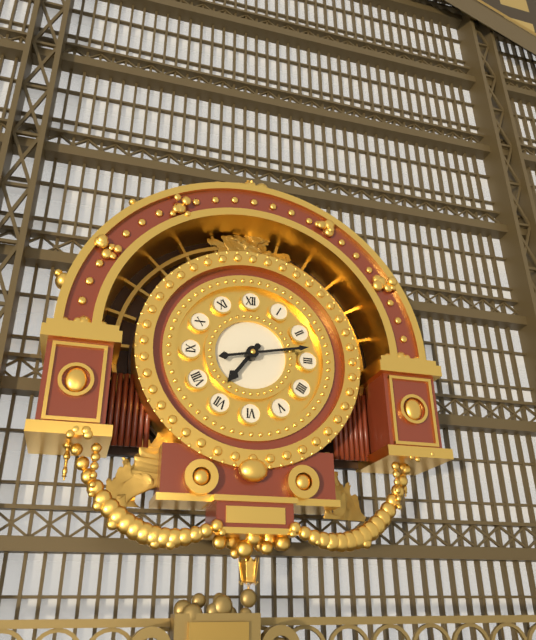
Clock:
7:13
